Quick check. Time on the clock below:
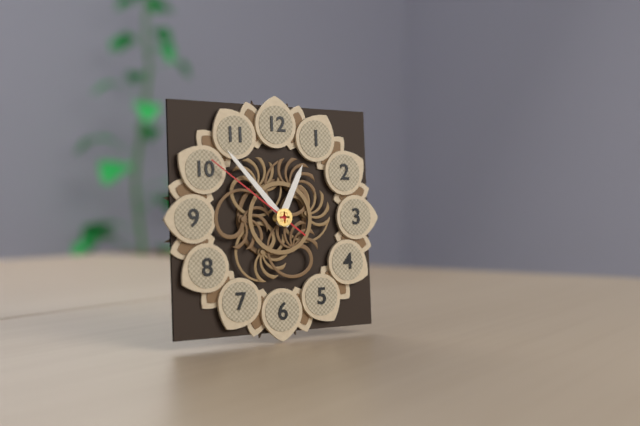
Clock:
12:53:51
